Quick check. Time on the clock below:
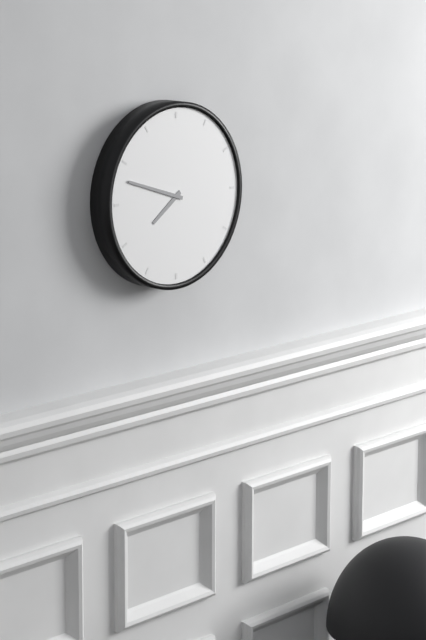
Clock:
7:48
